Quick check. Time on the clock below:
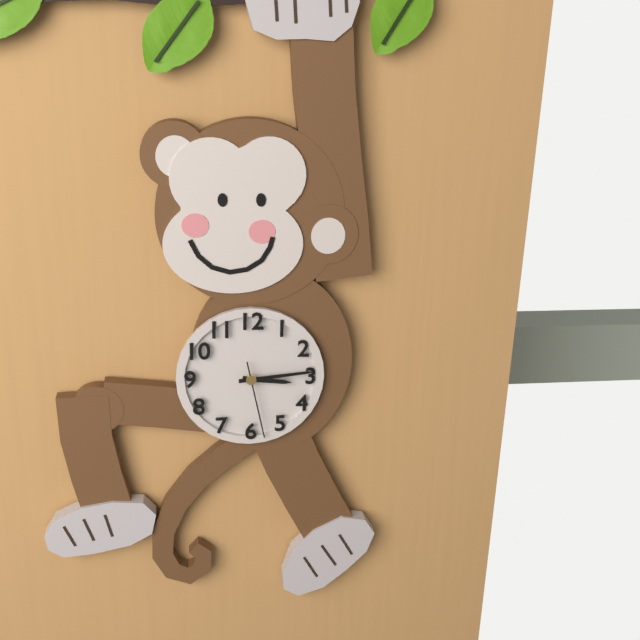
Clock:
3:14:28
